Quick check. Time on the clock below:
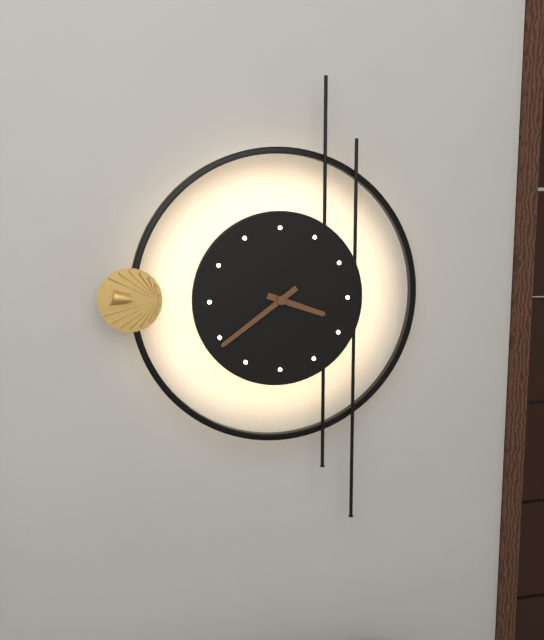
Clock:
3:39
